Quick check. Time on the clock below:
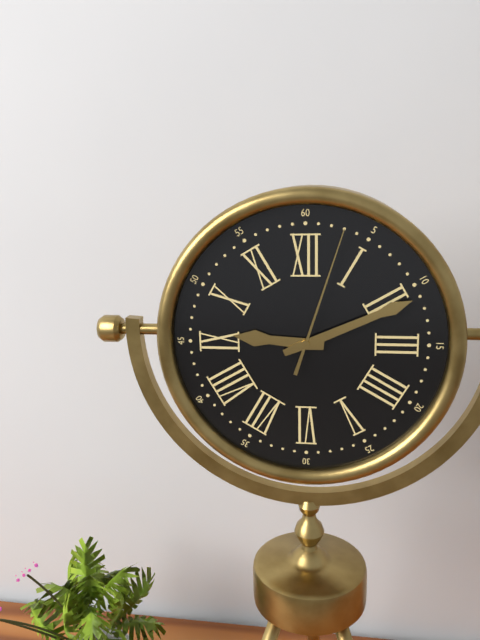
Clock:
9:11:03
